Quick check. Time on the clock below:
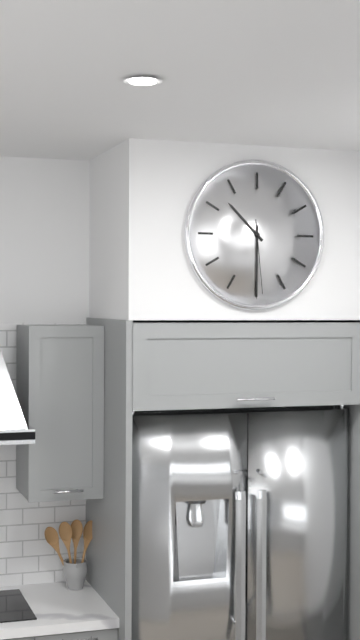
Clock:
10:30:29
